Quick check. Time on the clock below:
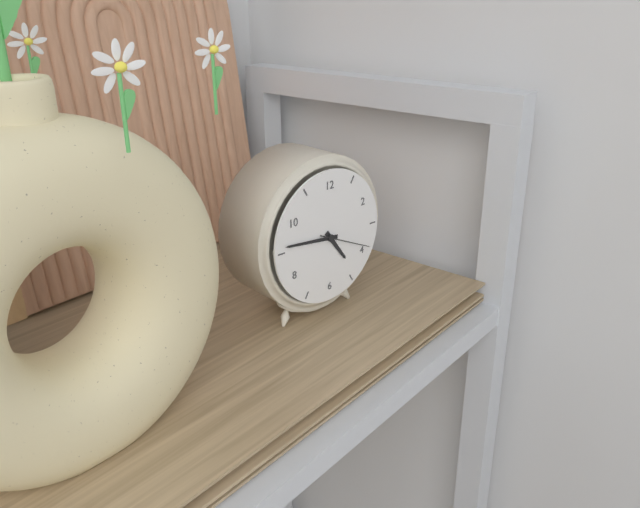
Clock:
4:46:19
